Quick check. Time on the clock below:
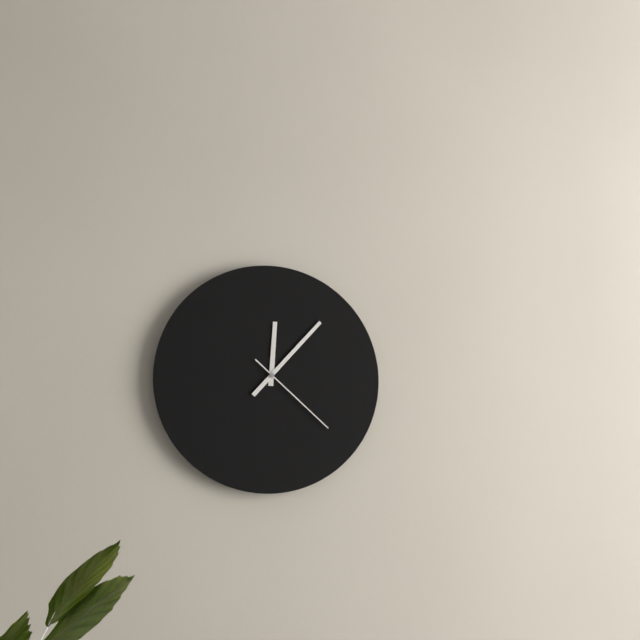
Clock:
12:07:22
